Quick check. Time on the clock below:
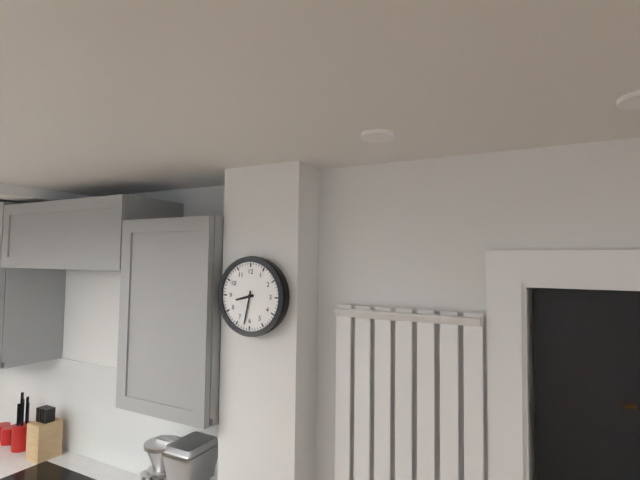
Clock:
8:32
